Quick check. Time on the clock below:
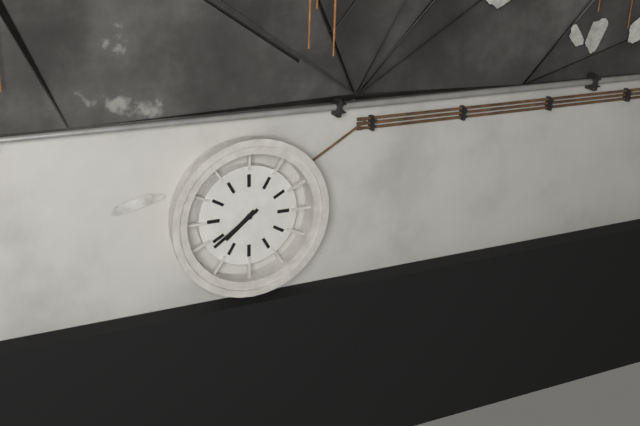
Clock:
7:39
